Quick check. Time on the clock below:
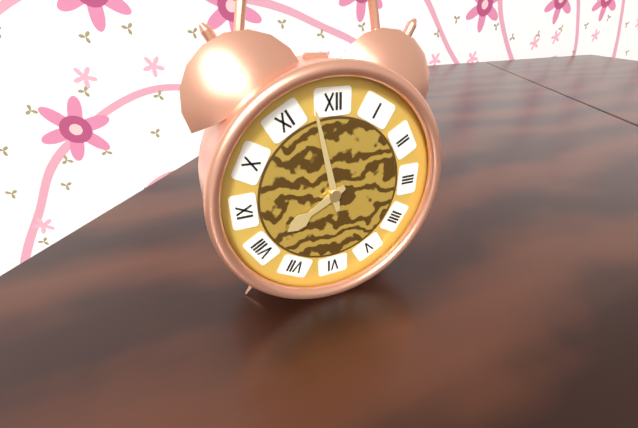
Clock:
7:58
